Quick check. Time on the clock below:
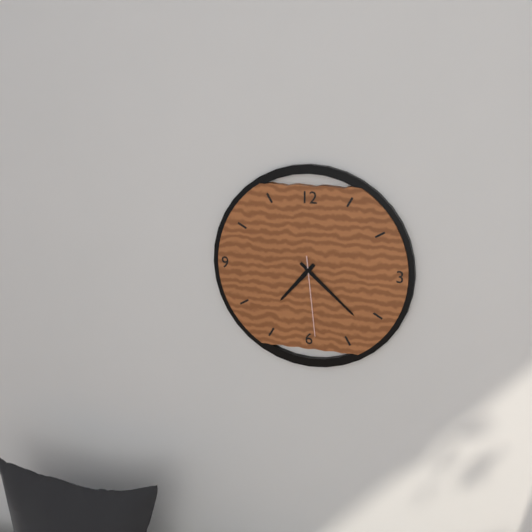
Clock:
7:22:29
